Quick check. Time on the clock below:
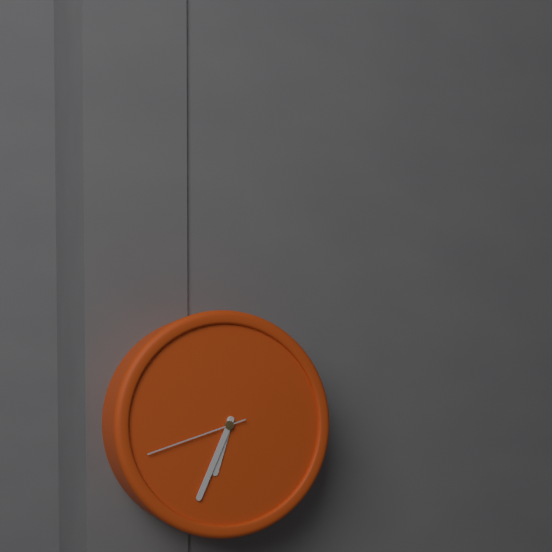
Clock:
6:34:42
